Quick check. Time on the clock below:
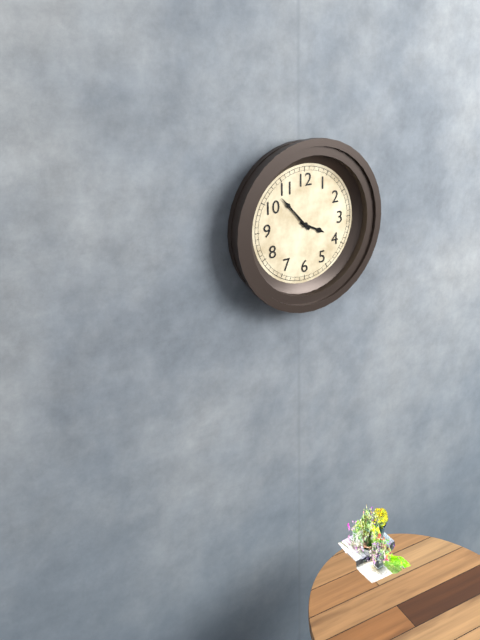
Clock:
3:53
